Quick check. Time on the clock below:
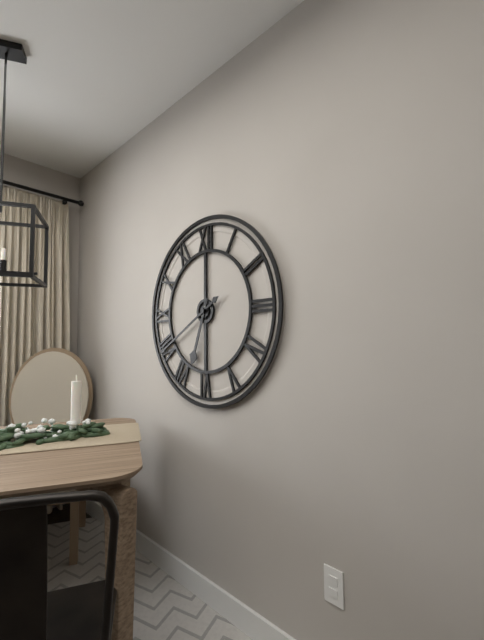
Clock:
6:40
